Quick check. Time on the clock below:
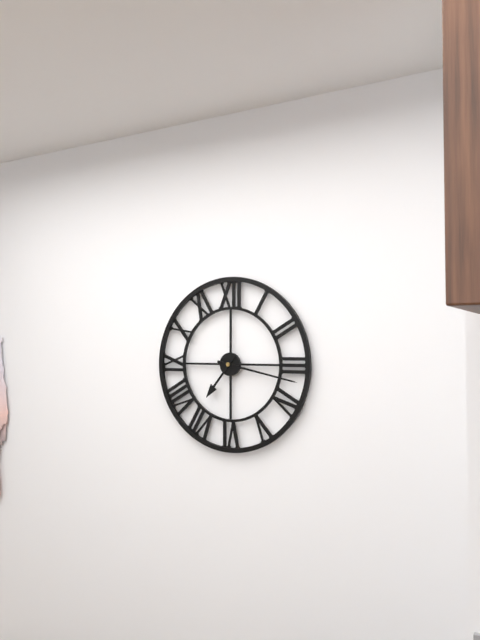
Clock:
7:17
